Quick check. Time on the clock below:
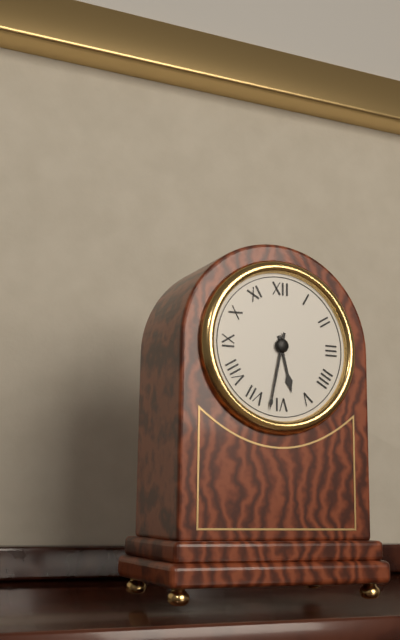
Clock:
5:32
